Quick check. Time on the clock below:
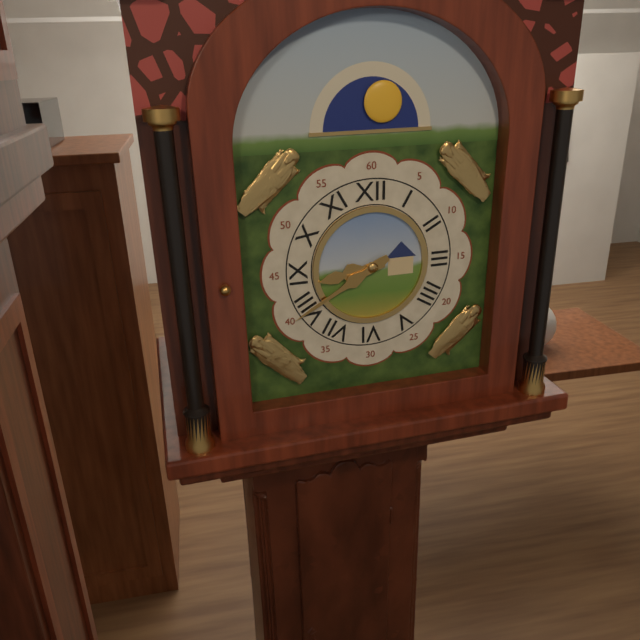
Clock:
8:40
